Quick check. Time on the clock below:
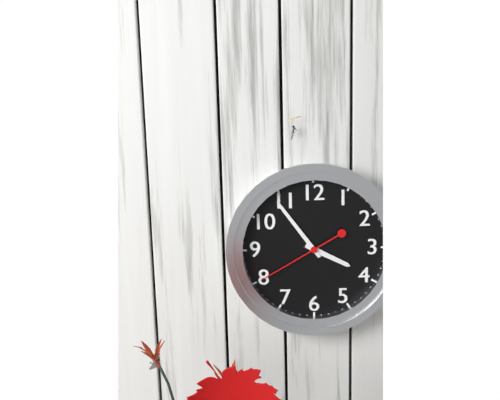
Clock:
3:54:40
